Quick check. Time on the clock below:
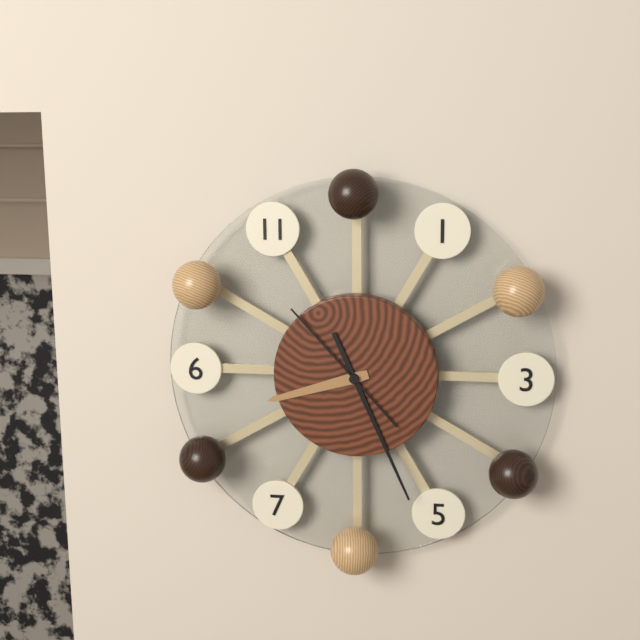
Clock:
8:26:53
